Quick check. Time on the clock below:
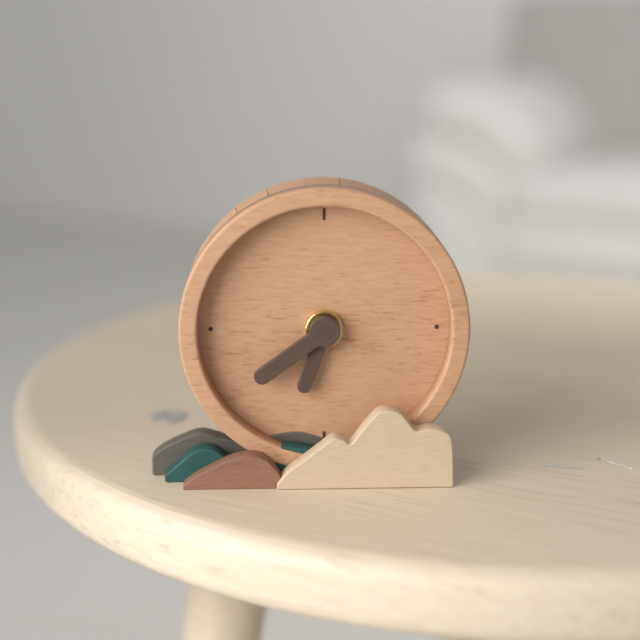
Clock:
6:39
